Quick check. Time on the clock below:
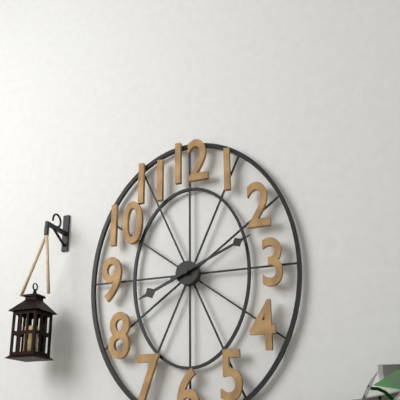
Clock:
8:11
